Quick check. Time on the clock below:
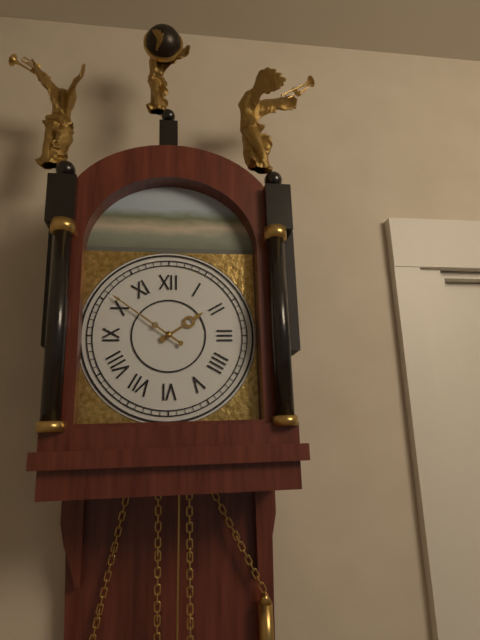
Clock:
1:51
